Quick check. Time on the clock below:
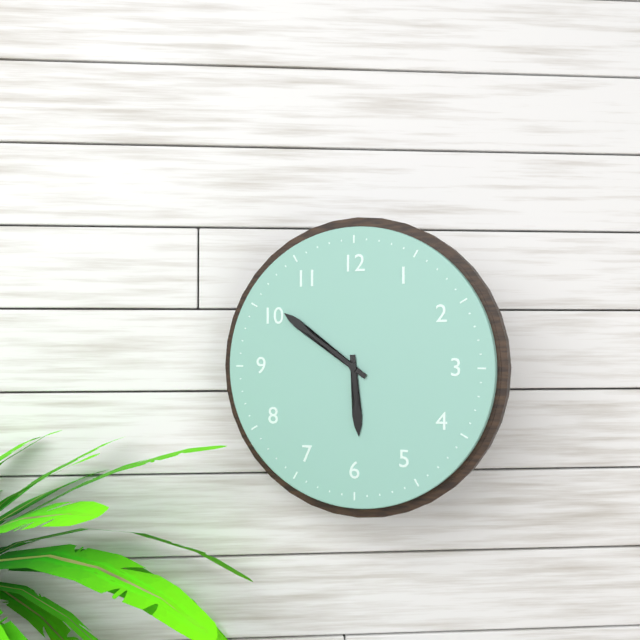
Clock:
5:51
